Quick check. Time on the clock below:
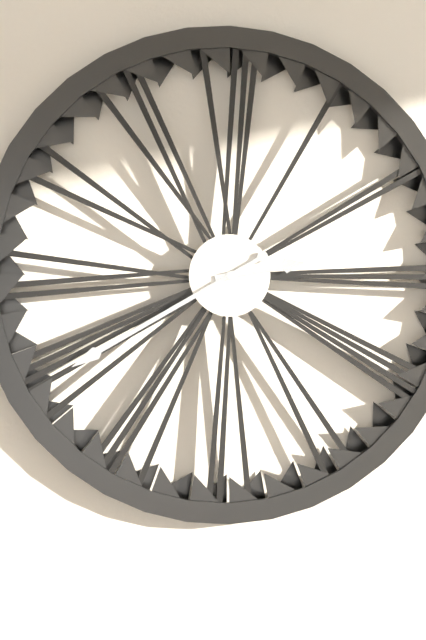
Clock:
2:40
